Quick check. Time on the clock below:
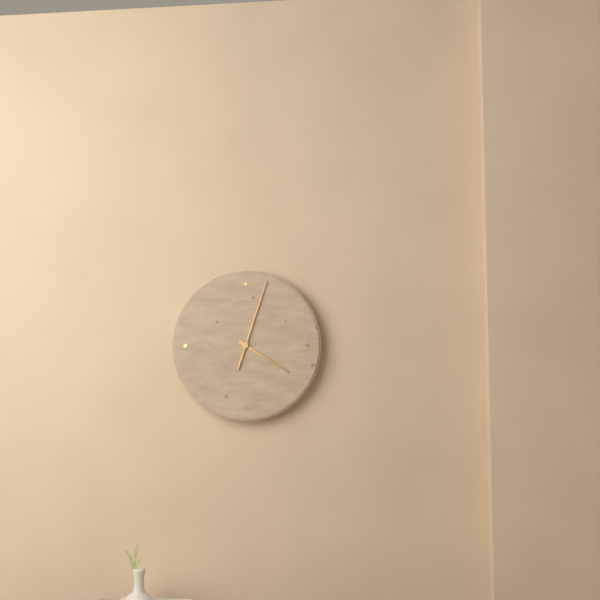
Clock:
4:03
